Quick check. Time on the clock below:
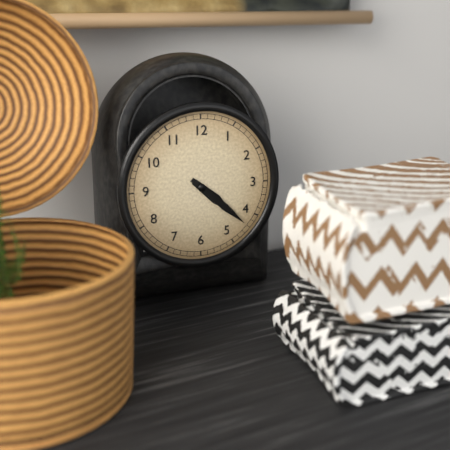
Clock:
4:22
